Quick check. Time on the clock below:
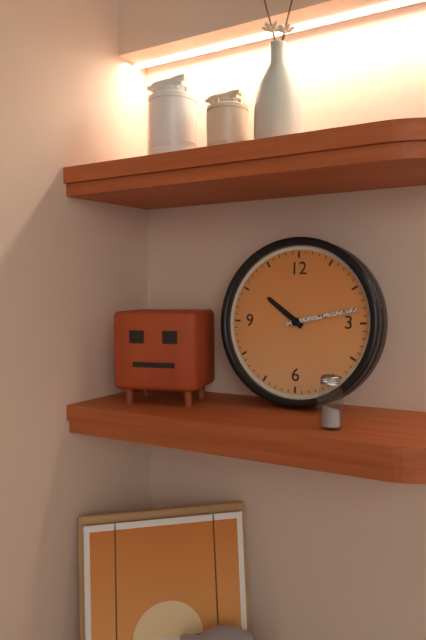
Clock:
10:13
